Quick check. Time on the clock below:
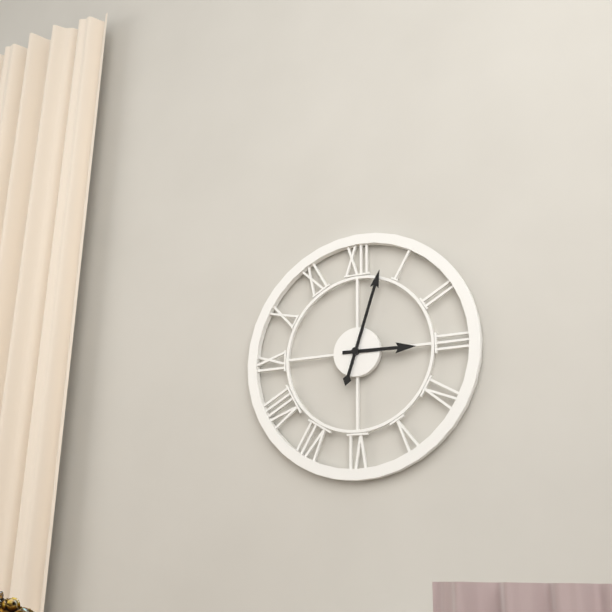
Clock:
3:03
